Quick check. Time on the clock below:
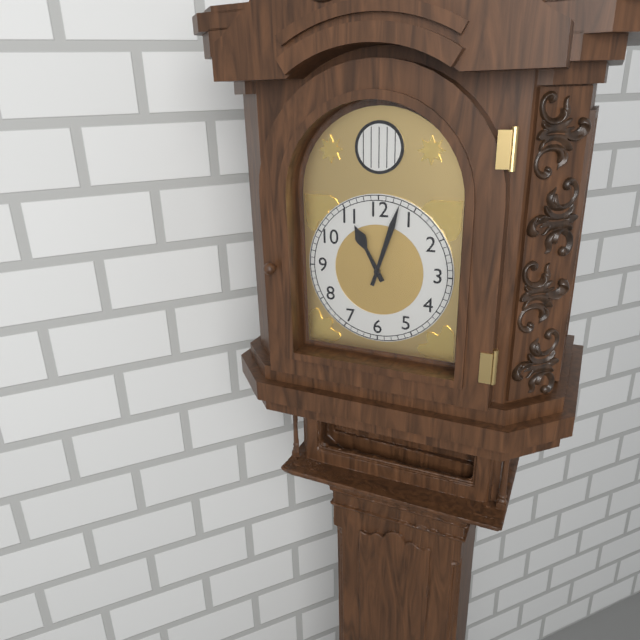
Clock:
11:03
